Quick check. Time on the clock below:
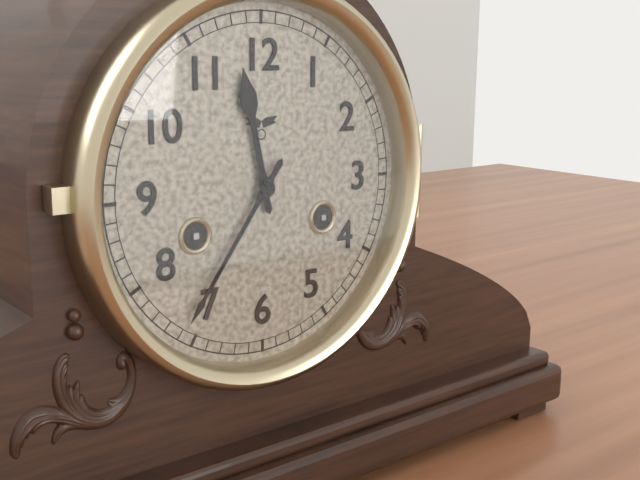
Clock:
11:36
